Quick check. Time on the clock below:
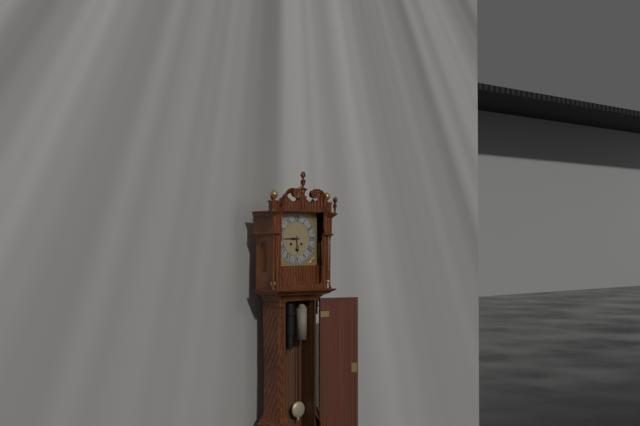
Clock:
5:45
